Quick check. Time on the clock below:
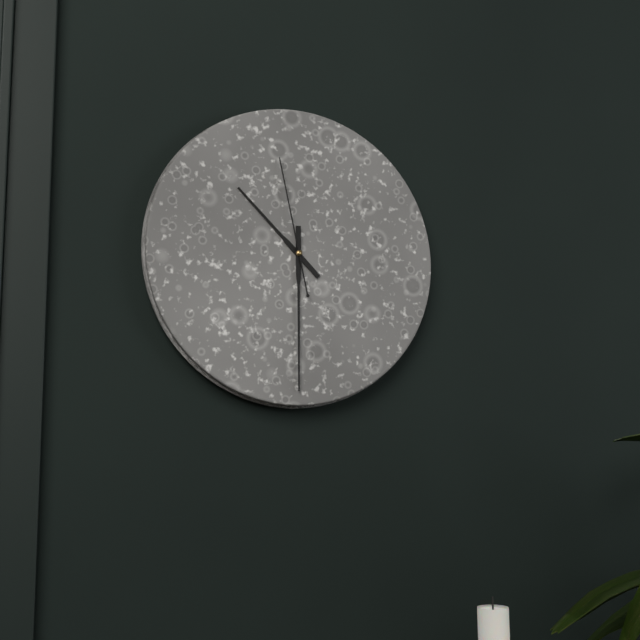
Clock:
10:30:58
